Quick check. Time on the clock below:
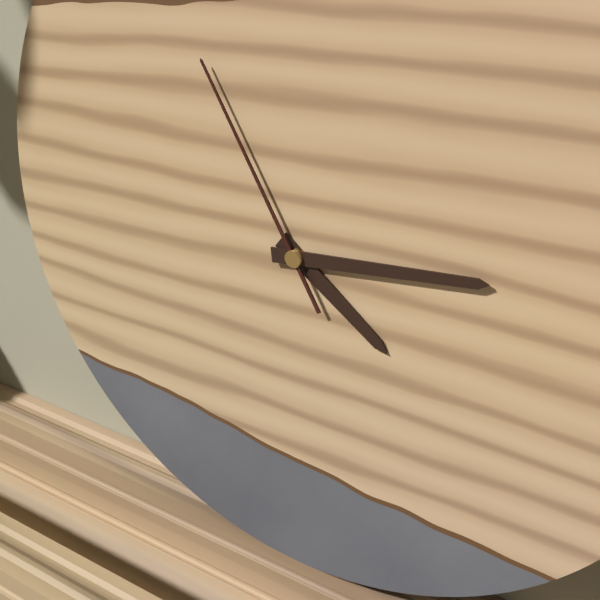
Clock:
4:14:55
